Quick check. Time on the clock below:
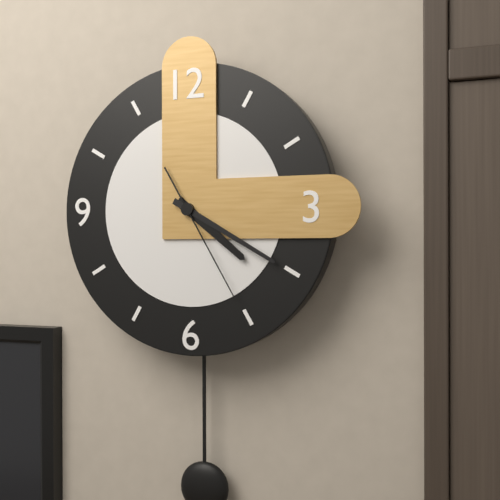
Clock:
4:20:25
